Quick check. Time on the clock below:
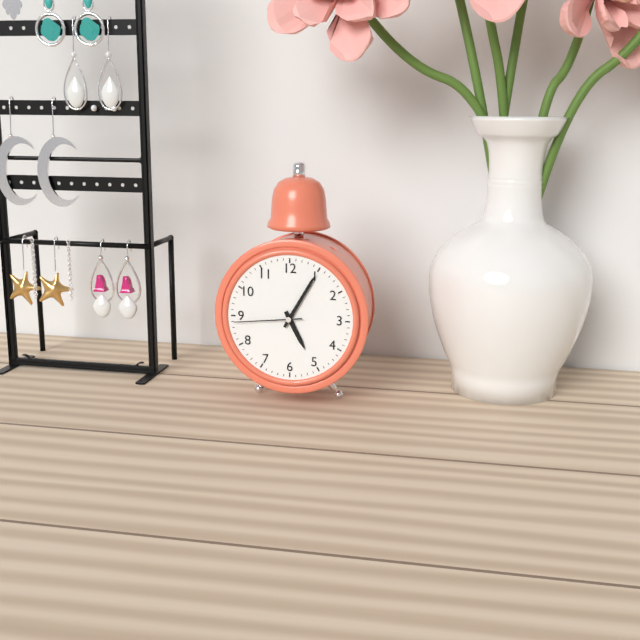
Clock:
5:05:44
